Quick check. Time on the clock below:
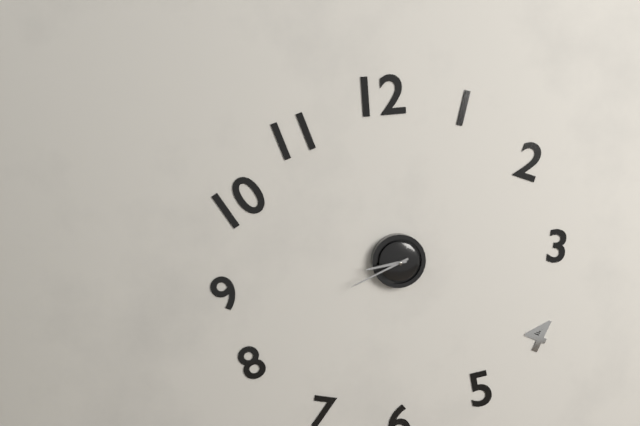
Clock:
8:41
